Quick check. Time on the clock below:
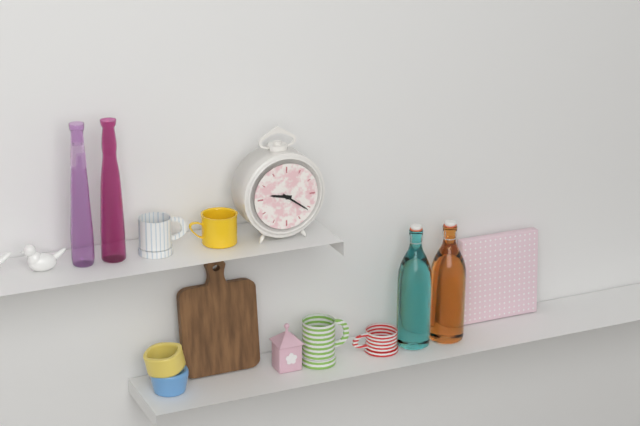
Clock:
9:21
